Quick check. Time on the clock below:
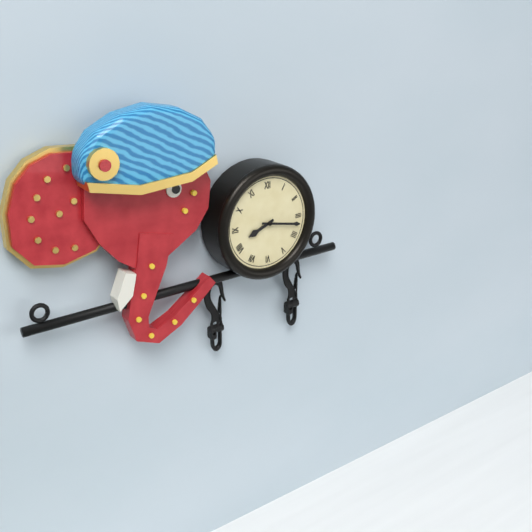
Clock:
8:17
